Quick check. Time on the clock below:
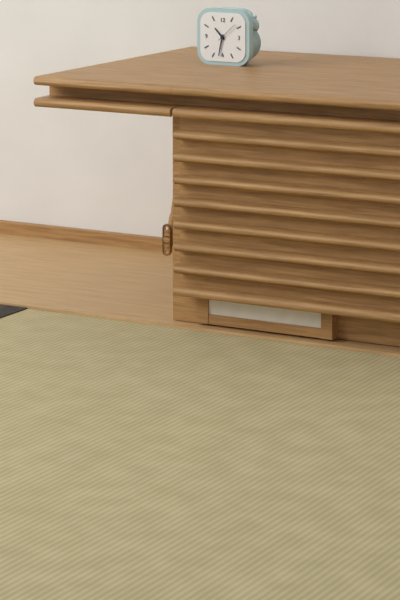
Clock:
10:32
